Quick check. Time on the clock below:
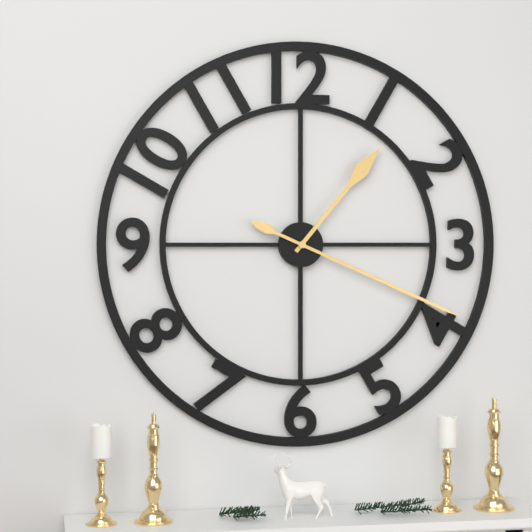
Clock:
1:19
